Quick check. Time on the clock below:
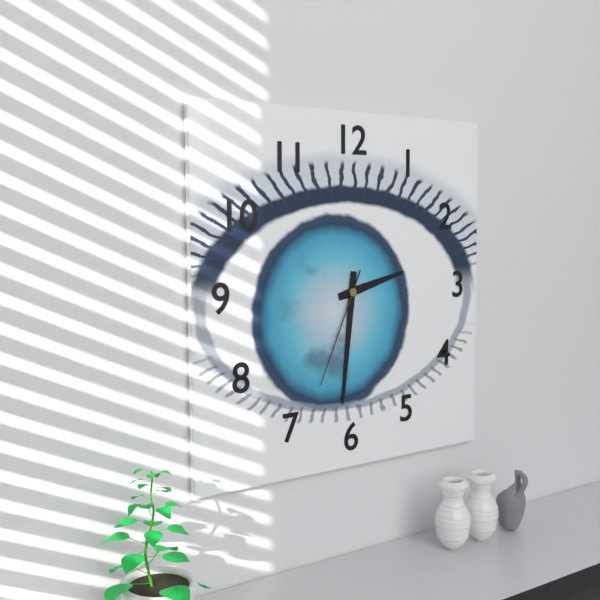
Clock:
2:31:34
